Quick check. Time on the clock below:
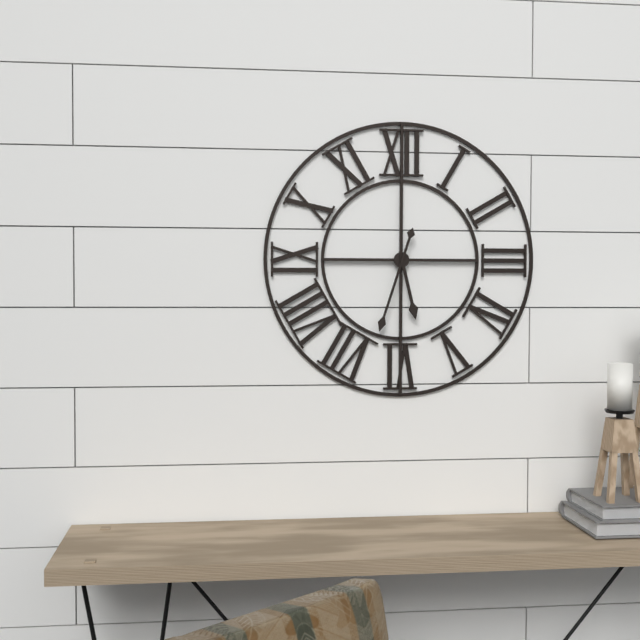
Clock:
5:33
